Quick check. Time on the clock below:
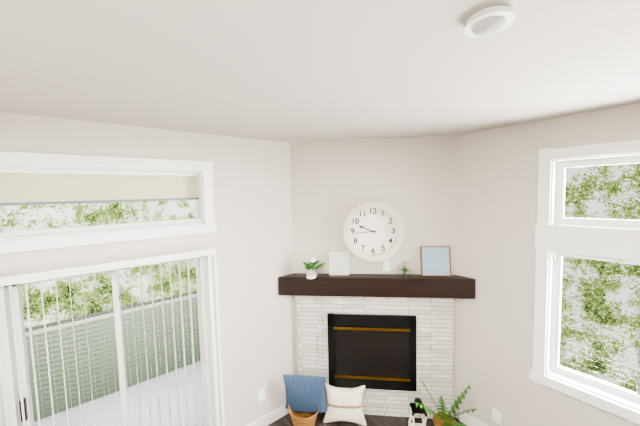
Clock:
9:44
